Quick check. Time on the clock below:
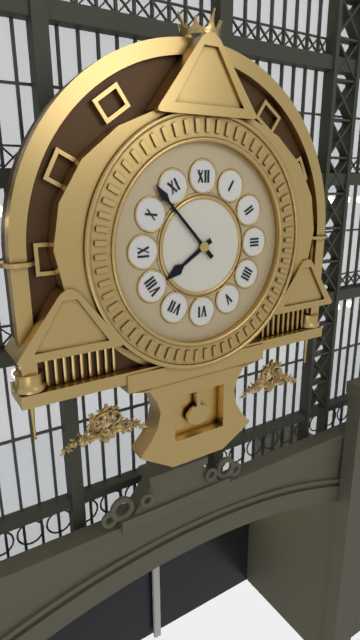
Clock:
7:53
